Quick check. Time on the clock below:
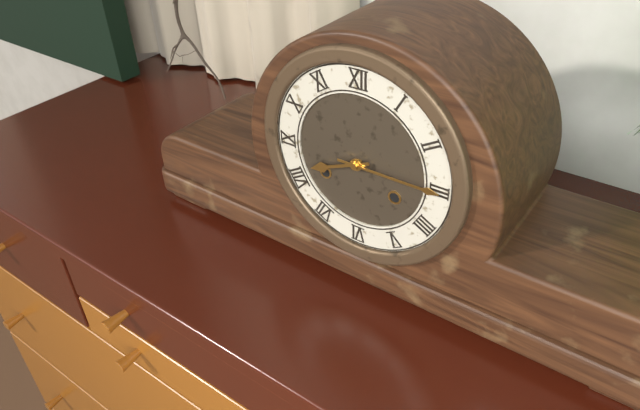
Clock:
8:15
